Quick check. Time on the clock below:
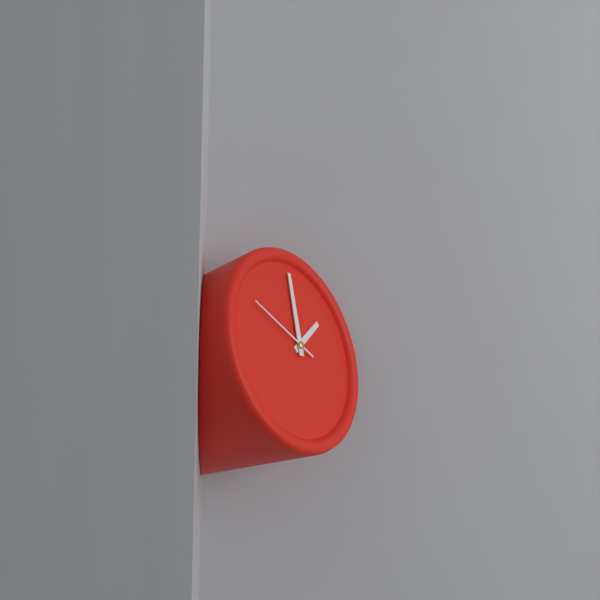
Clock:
2:01:51
